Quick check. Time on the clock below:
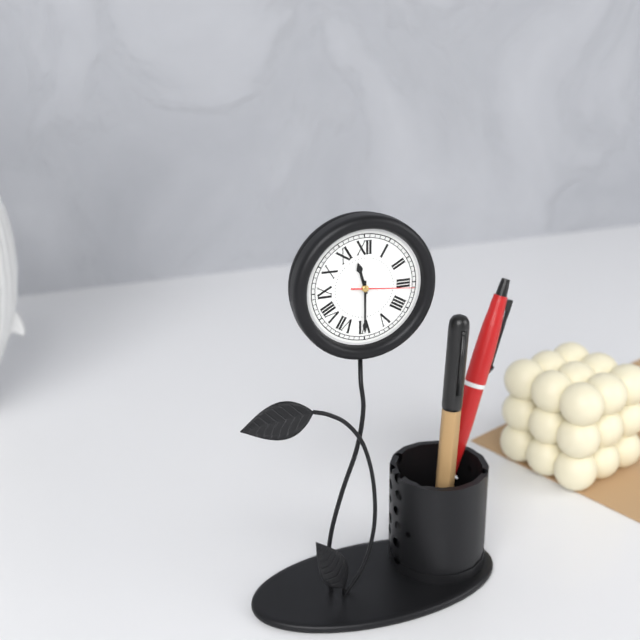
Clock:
11:30:16
